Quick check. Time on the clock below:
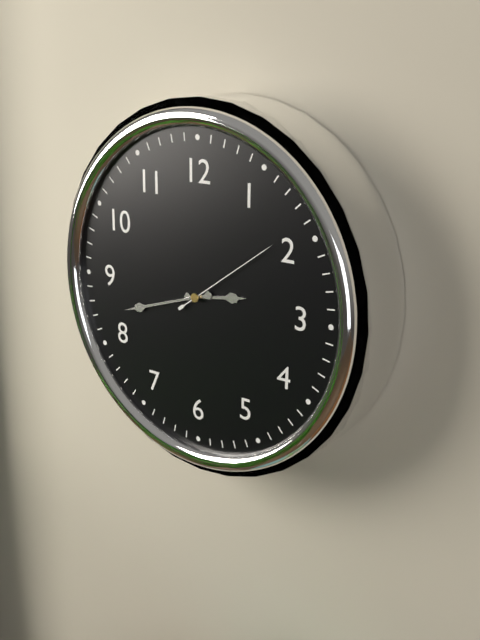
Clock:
2:42:09
